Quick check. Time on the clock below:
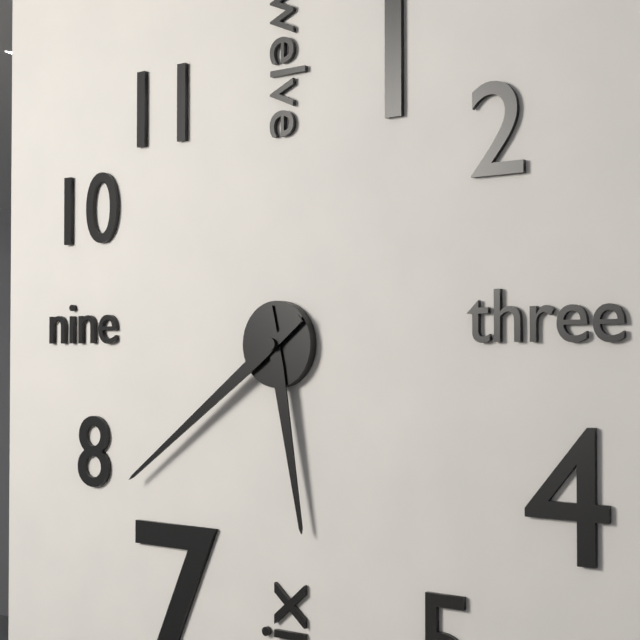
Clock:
5:39
